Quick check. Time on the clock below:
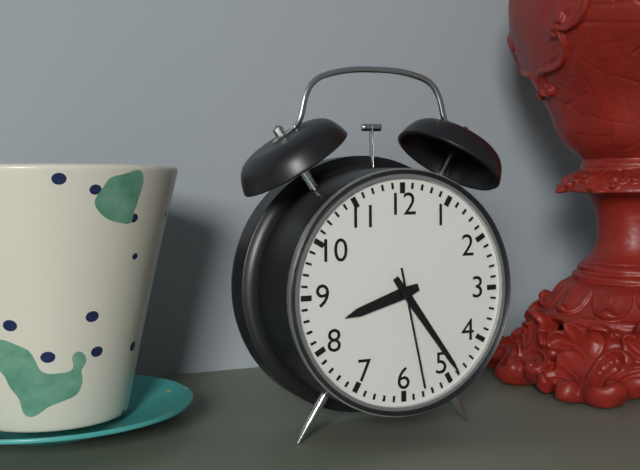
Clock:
8:24:28
